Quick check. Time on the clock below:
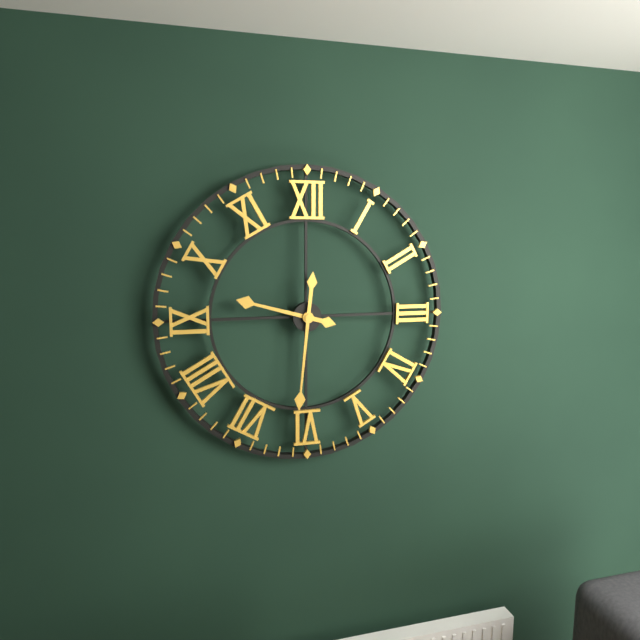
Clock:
9:31
